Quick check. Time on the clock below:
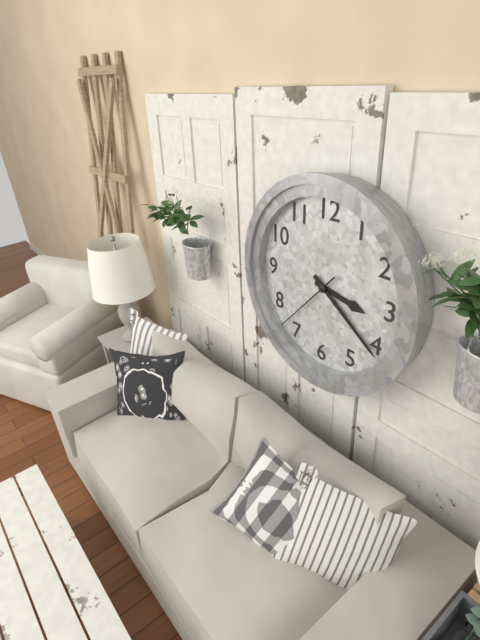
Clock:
3:21:37
